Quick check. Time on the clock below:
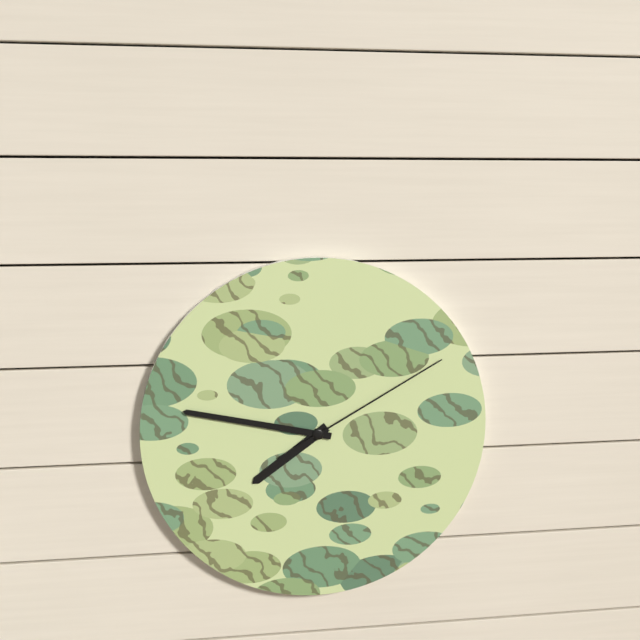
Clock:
7:47:10
